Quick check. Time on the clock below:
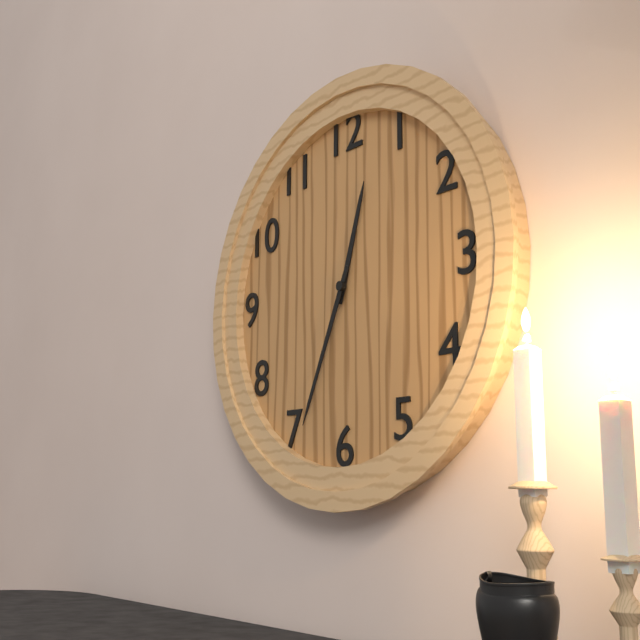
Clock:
12:34
